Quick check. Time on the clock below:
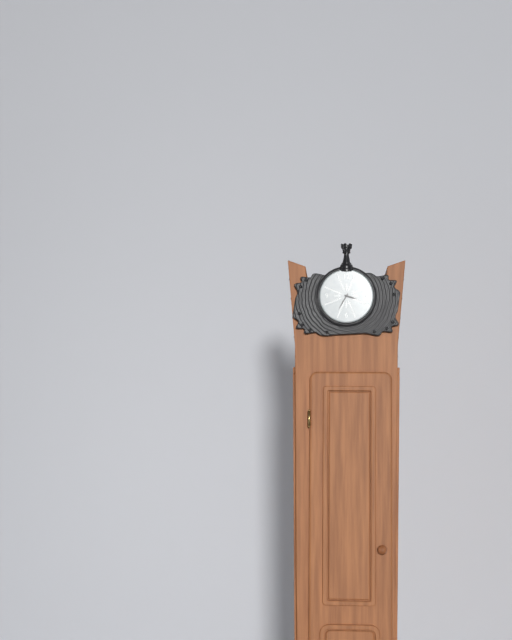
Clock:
3:35
